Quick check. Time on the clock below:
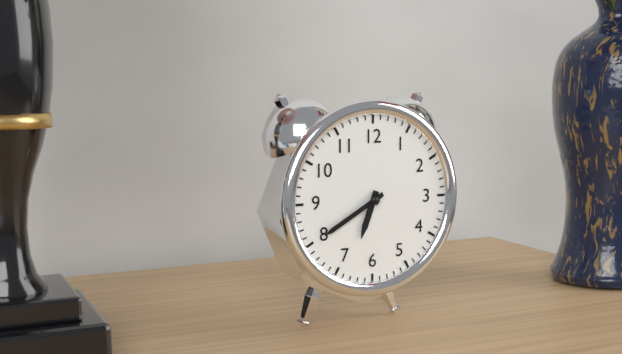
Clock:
6:40
